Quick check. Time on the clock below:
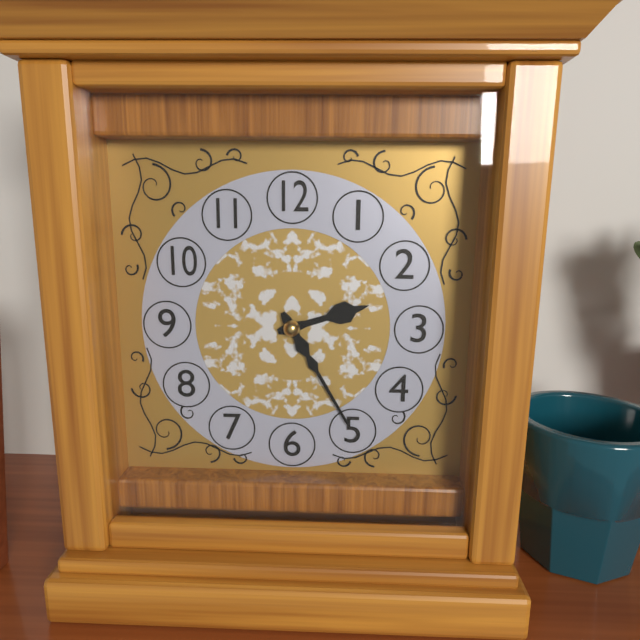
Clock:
2:25
